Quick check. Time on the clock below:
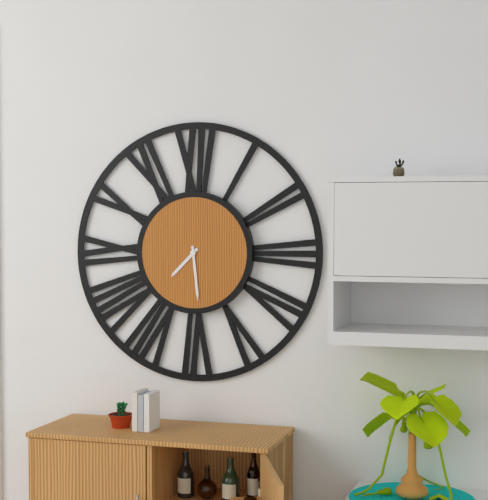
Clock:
7:29
